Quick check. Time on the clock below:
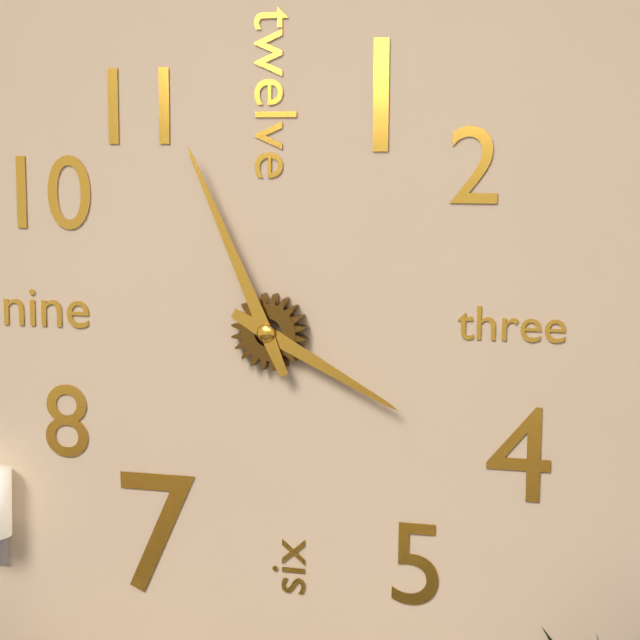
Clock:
3:56
